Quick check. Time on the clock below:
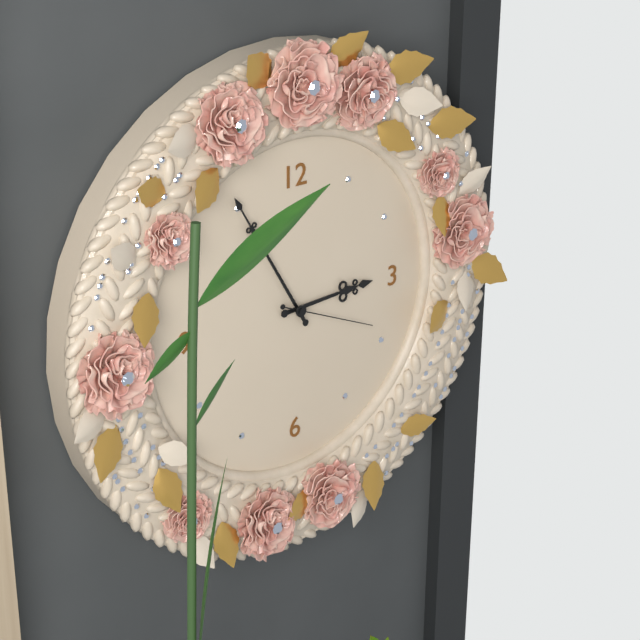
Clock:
2:55:19
